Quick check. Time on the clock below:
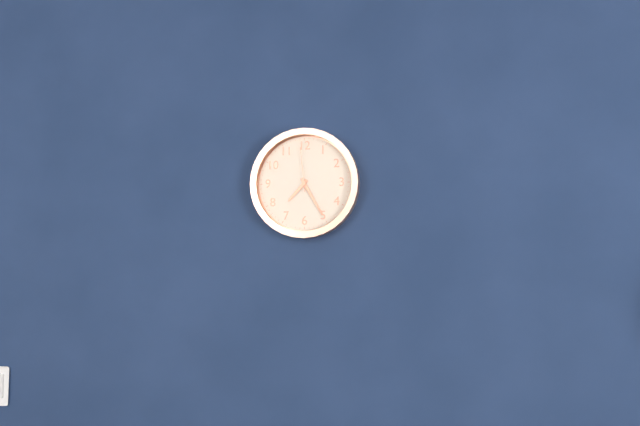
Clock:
7:25
